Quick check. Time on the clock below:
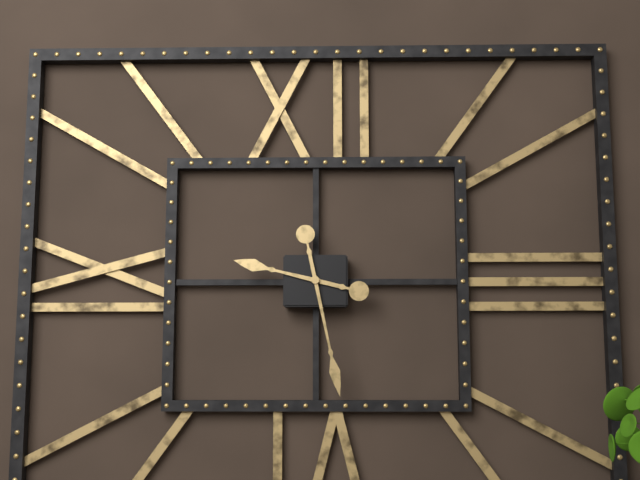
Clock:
9:28
